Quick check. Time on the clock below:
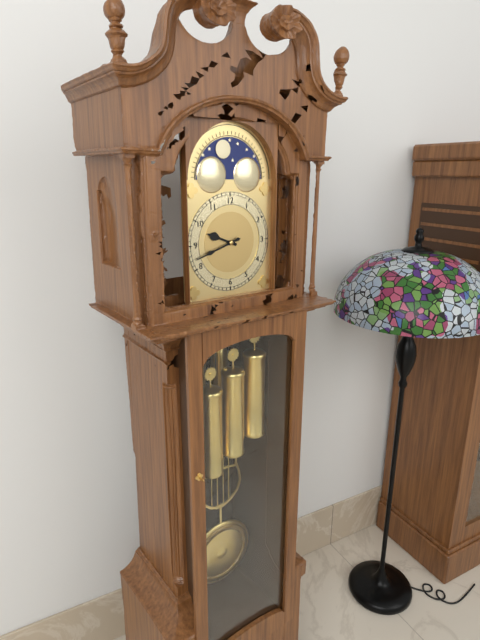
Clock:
9:42
